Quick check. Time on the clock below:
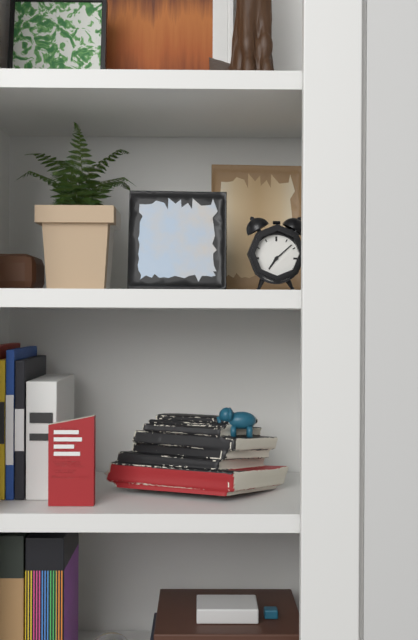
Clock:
7:08
